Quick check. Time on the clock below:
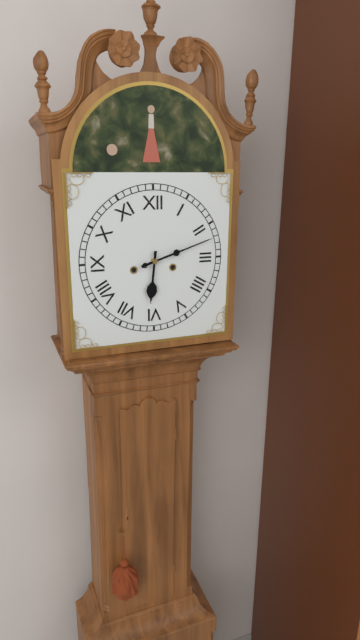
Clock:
6:12
